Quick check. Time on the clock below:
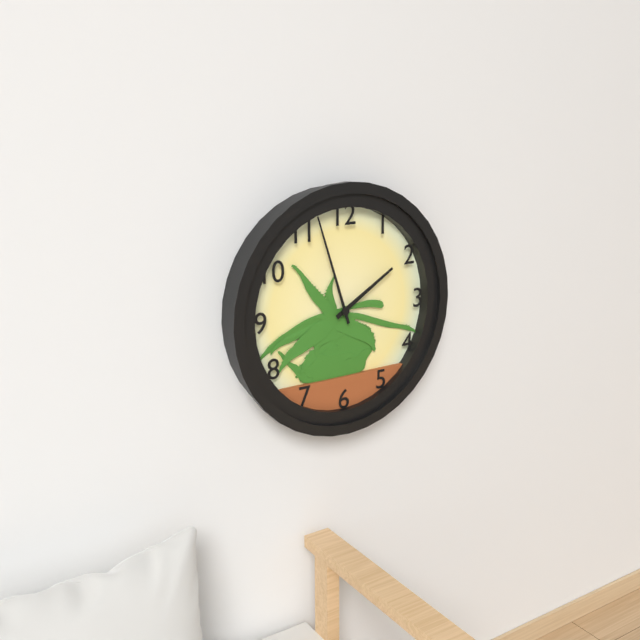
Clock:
1:57
